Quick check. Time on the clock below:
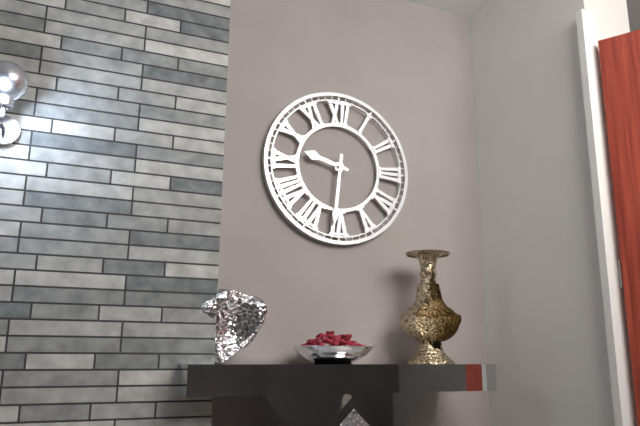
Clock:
9:31
